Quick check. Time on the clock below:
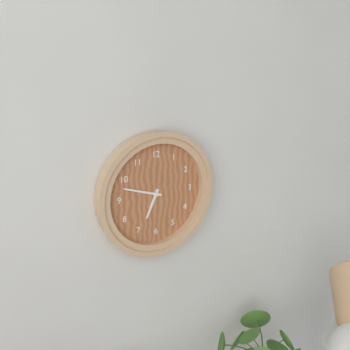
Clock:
6:48
